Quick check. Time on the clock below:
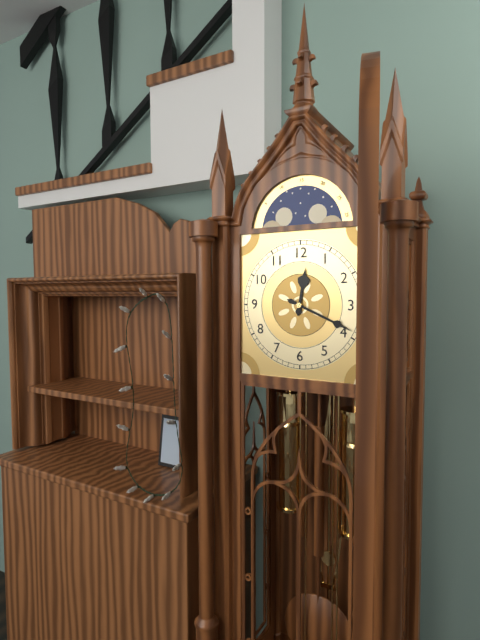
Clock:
12:19
